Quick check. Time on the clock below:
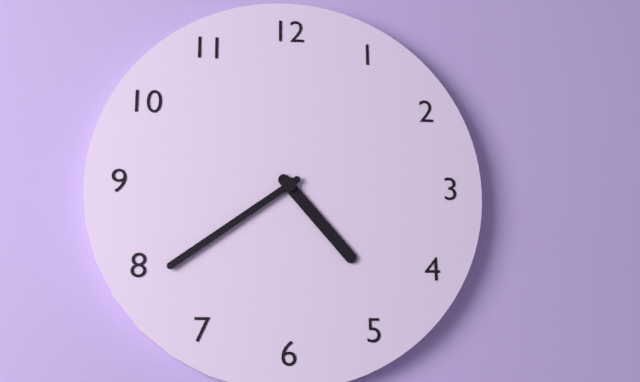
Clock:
4:39
